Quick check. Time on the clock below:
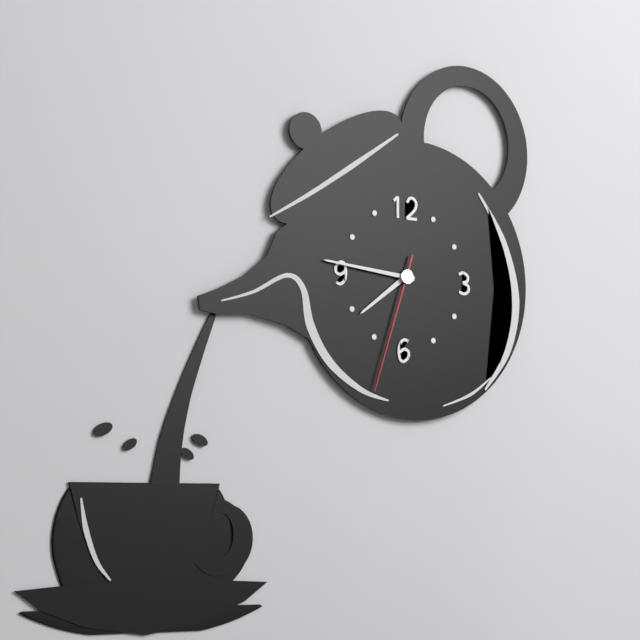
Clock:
7:46:33
